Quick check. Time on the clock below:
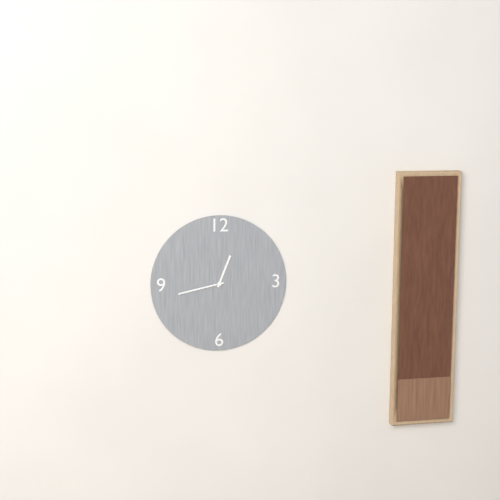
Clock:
12:43
